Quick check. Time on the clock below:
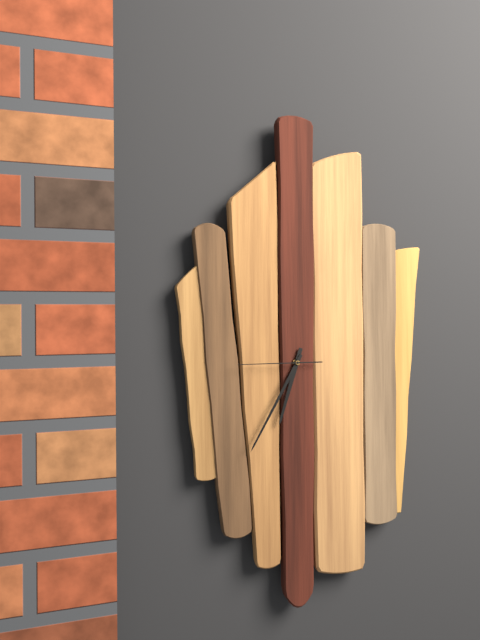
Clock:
6:35:45
